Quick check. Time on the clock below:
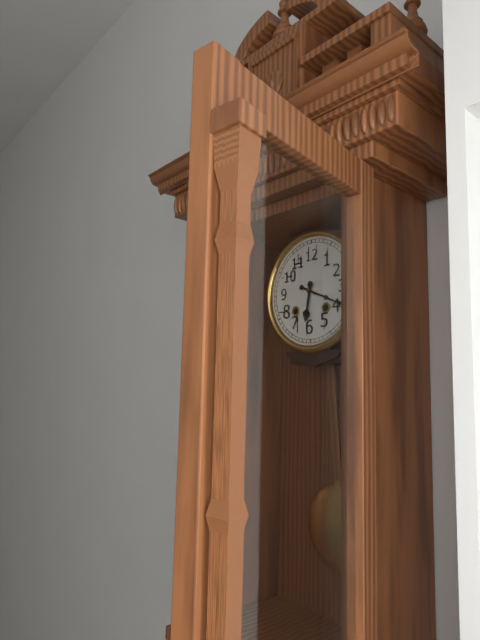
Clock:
6:19
